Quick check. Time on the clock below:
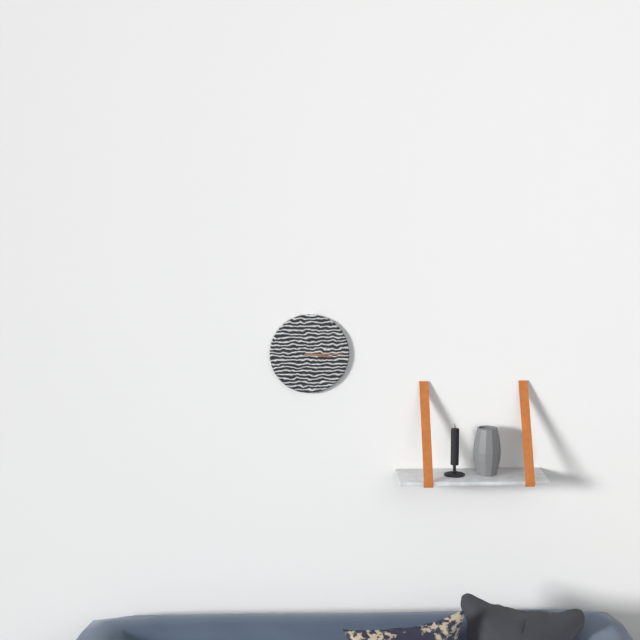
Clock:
3:15
